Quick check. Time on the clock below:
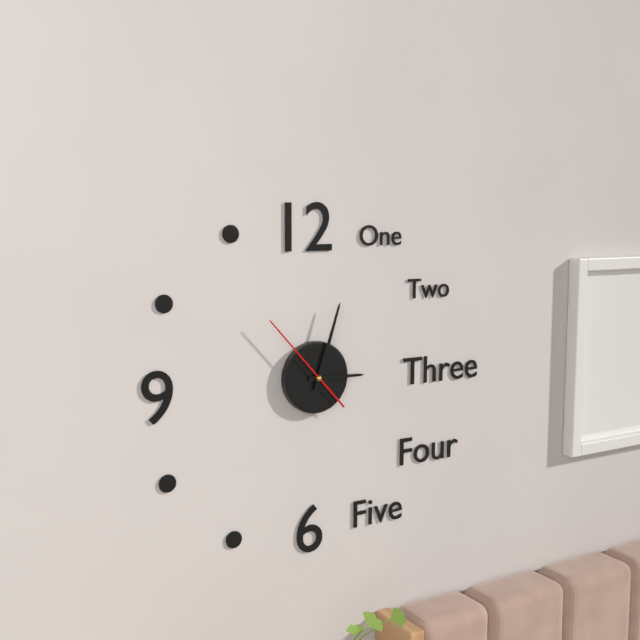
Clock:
3:03:53
